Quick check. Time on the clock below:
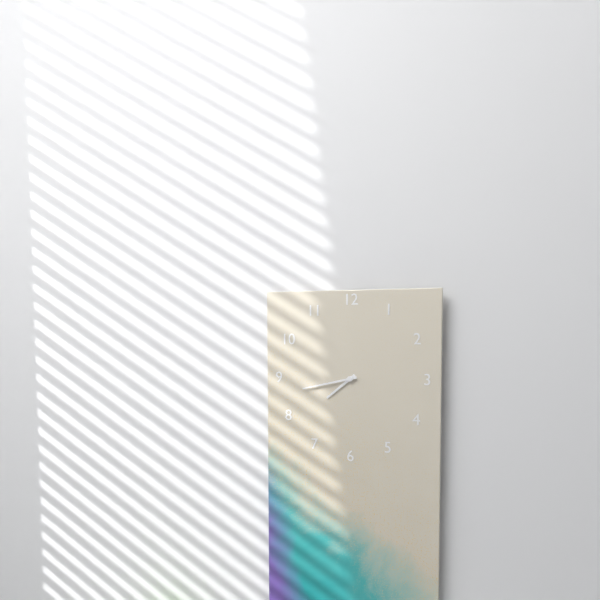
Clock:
7:43
